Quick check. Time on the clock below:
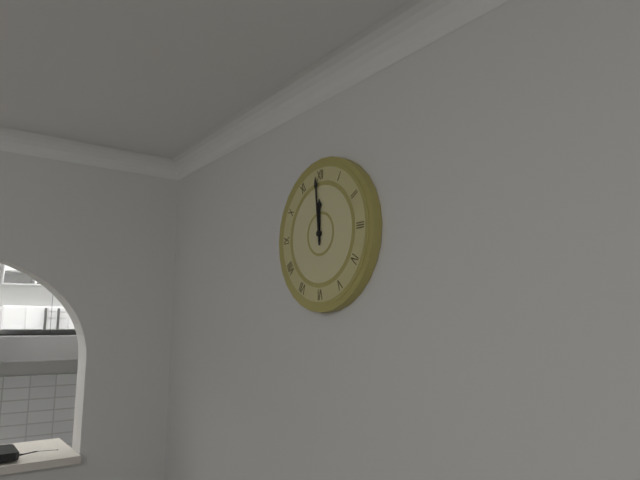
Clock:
11:59
